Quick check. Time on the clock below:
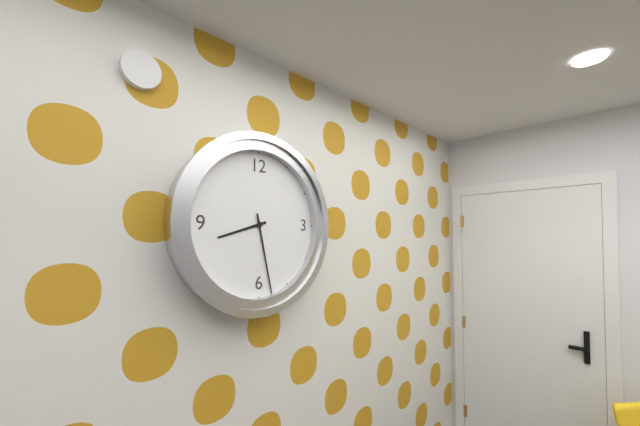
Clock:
8:28
